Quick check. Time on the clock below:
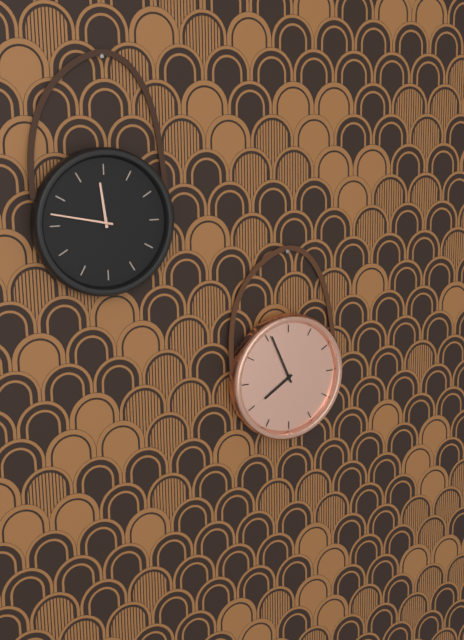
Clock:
7:56
